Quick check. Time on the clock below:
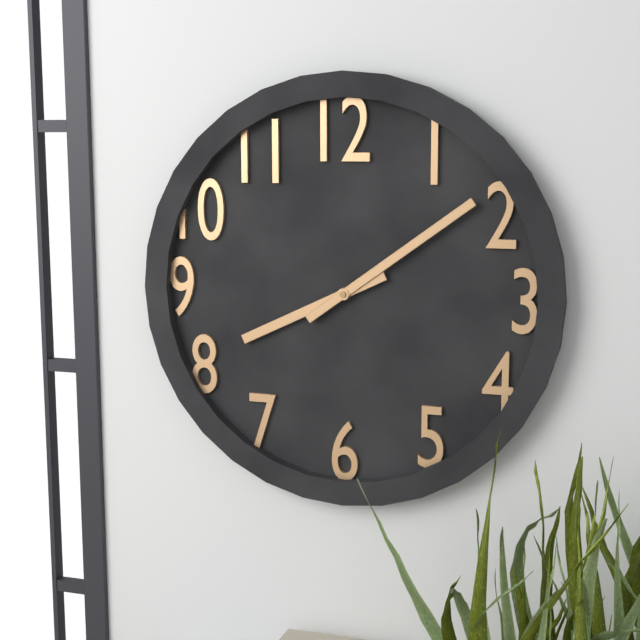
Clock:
8:09
